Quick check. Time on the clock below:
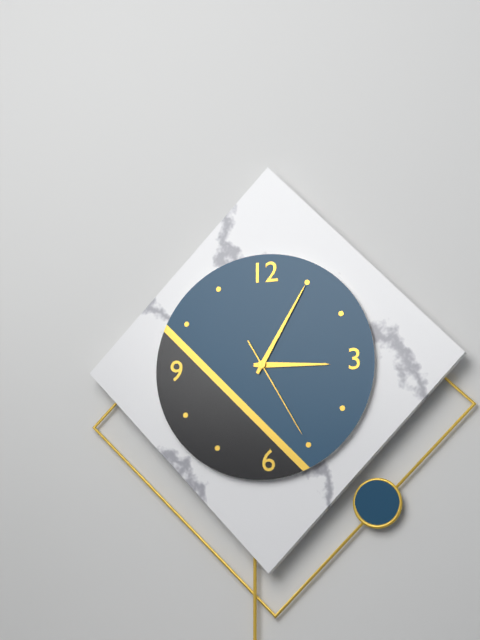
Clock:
3:05:25
